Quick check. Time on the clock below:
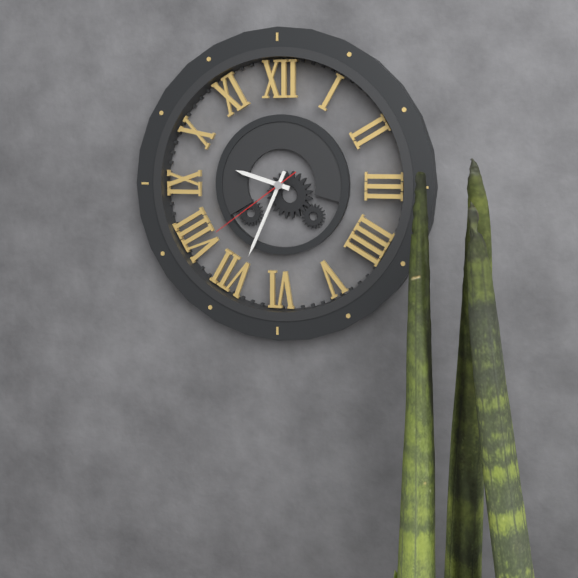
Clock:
9:34:39
